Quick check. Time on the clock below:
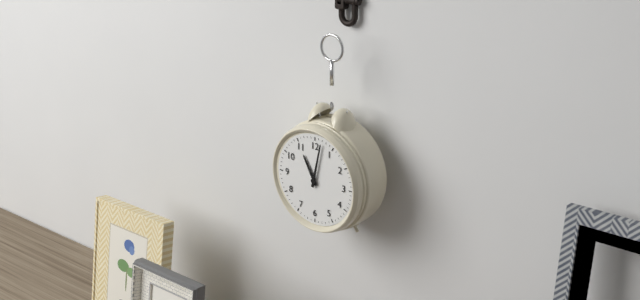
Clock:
11:02
